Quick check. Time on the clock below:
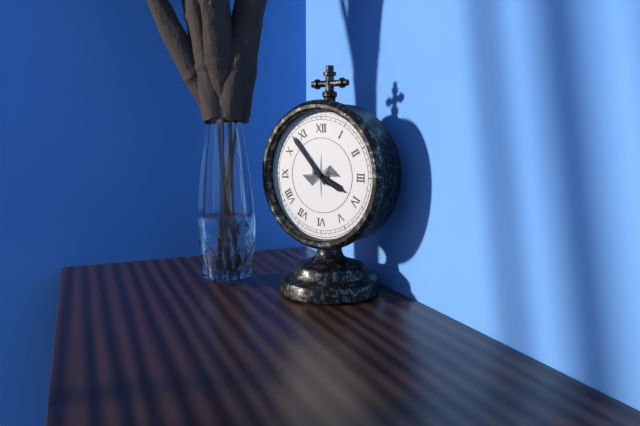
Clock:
3:53
